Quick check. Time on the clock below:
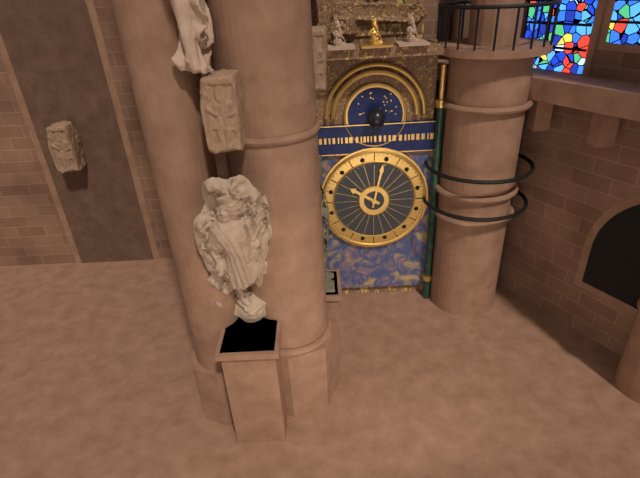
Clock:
10:02
